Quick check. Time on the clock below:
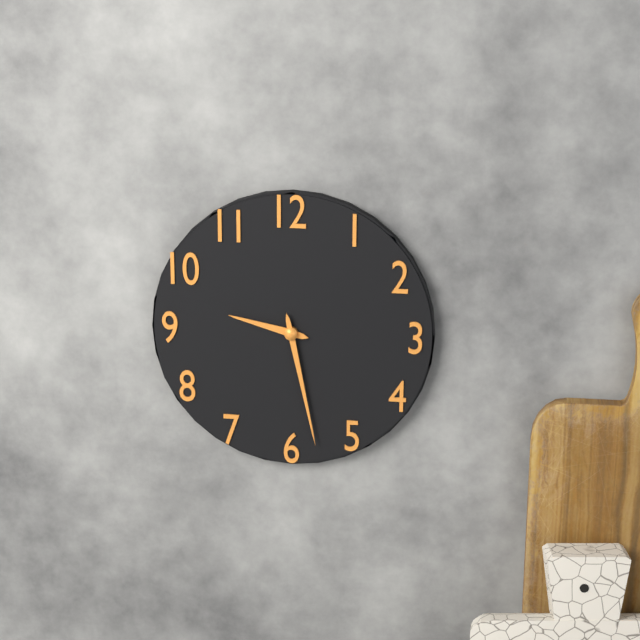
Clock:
9:28
